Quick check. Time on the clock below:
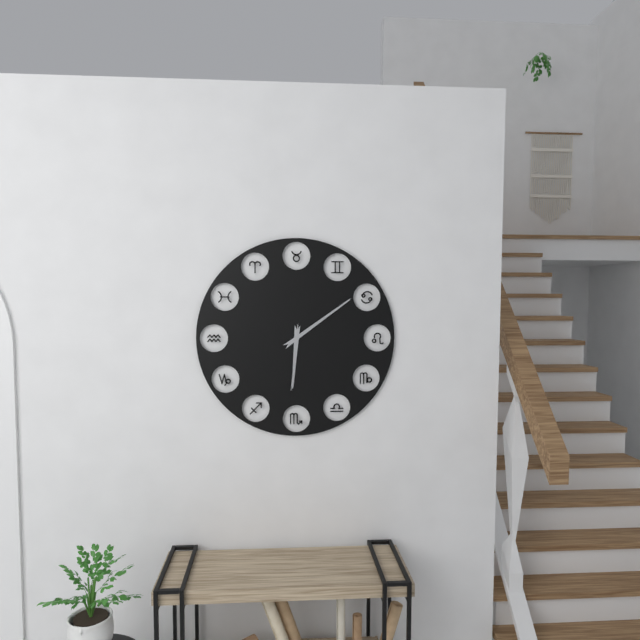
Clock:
6:09:31
